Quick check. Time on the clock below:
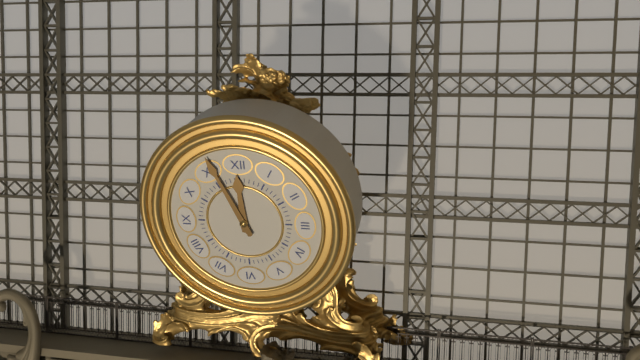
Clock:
11:56
